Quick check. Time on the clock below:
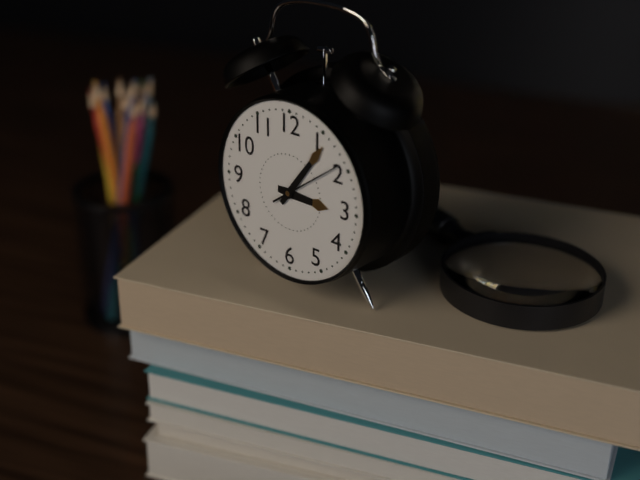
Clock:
3:06:09
